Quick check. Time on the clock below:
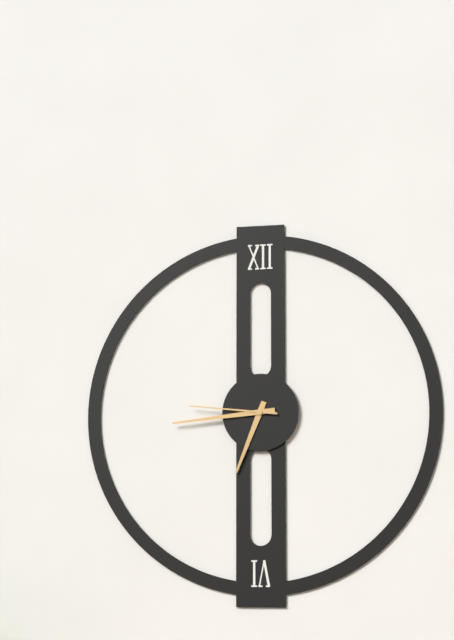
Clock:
6:44:46
